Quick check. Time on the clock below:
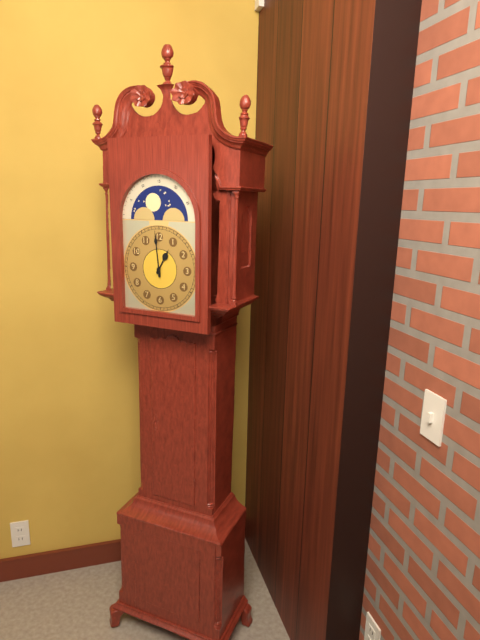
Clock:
12:59
